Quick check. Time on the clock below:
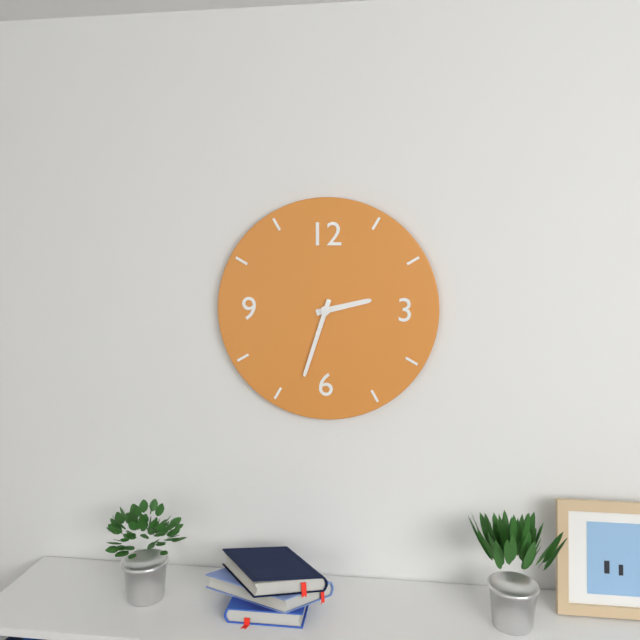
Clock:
2:33
